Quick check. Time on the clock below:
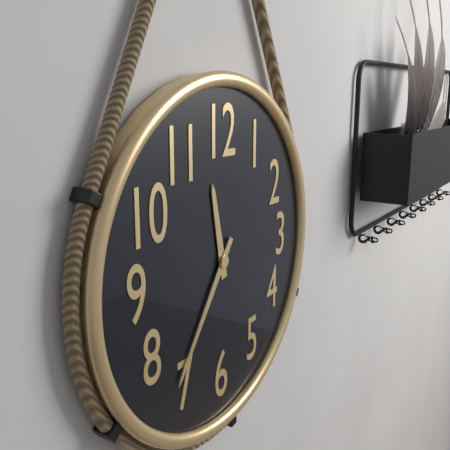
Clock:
11:36
